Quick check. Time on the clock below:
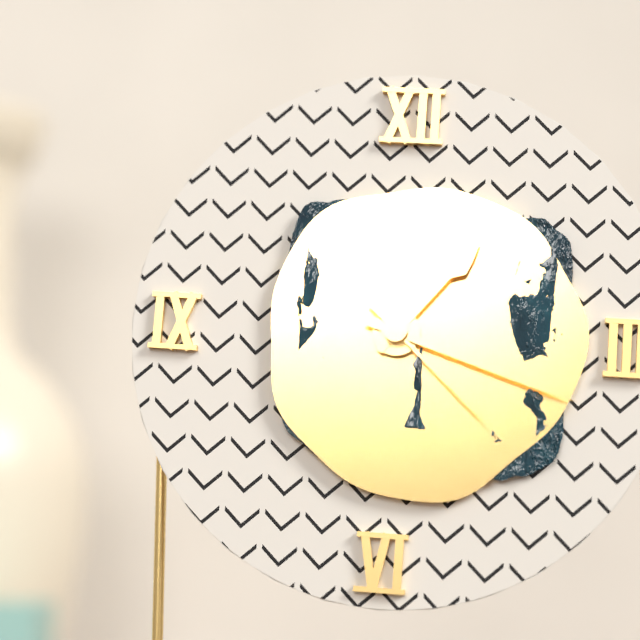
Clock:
1:18:22
